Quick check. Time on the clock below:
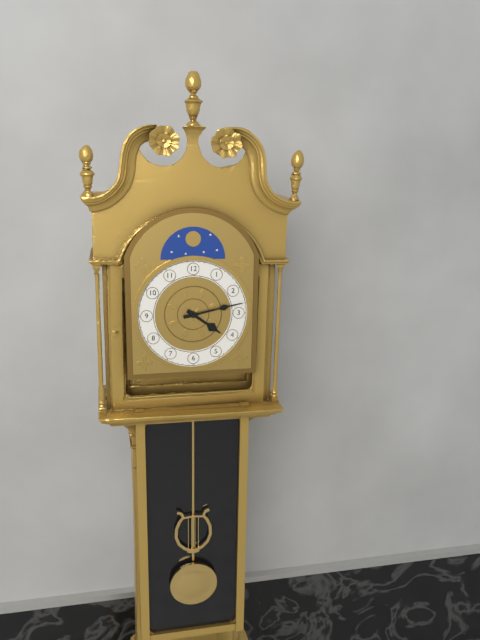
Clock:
4:13
